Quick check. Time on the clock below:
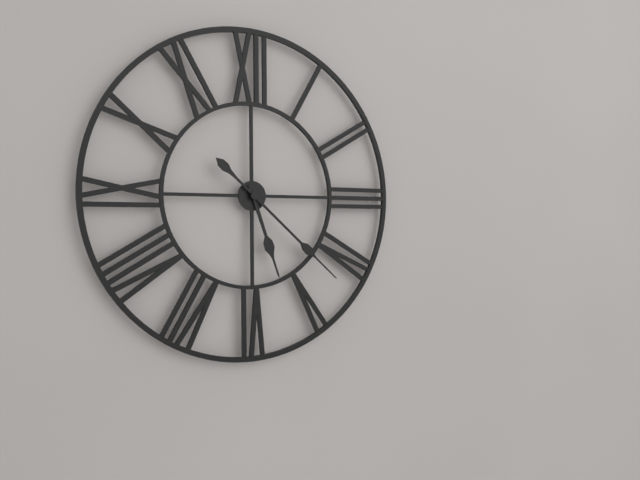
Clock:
5:22
